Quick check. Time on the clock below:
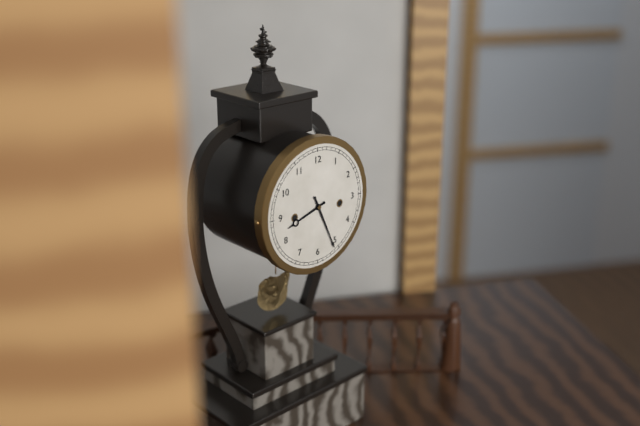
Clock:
8:26
